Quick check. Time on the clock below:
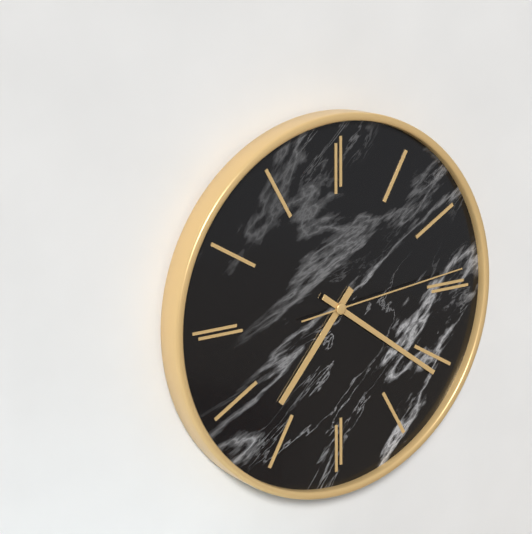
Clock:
7:21:14
